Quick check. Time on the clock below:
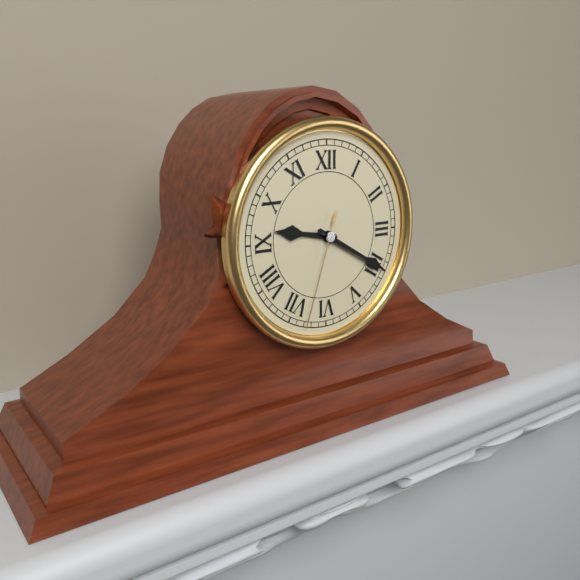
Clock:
9:20:33
